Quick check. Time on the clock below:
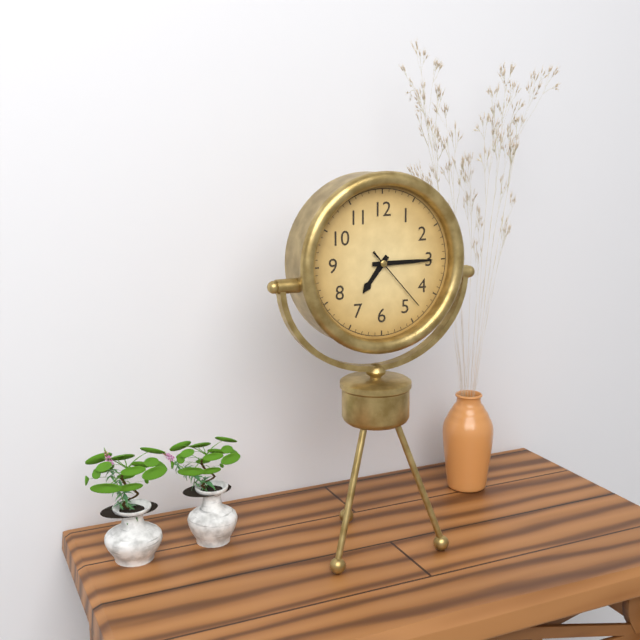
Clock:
7:15:23
